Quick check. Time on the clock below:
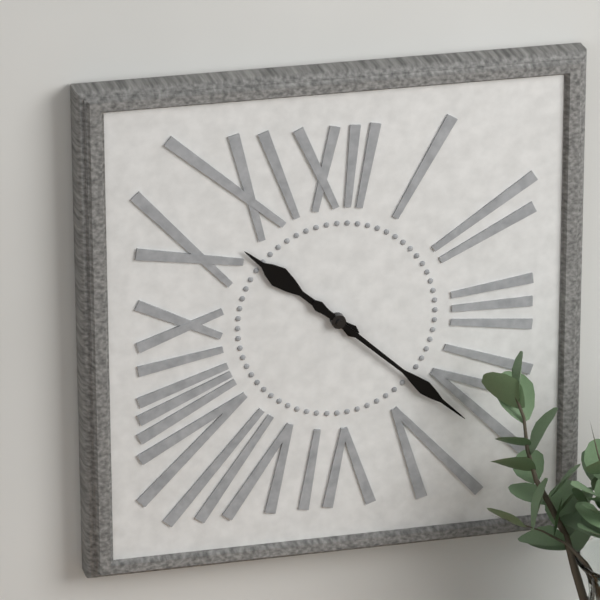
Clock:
10:22
